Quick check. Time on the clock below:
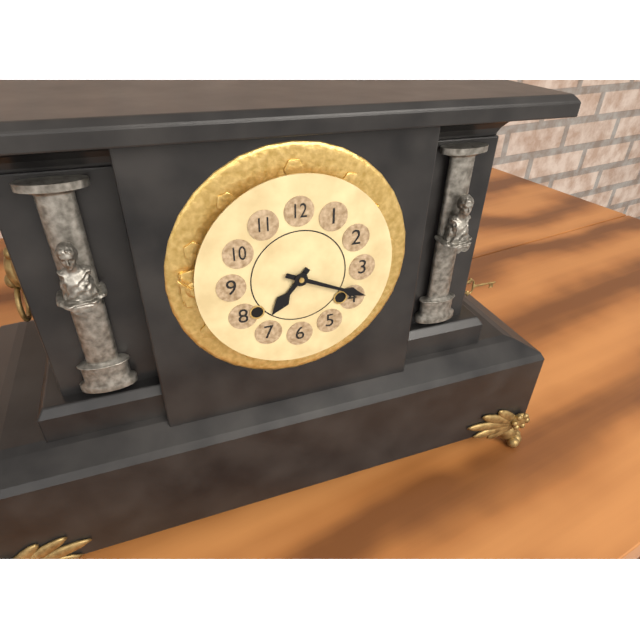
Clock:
7:19
